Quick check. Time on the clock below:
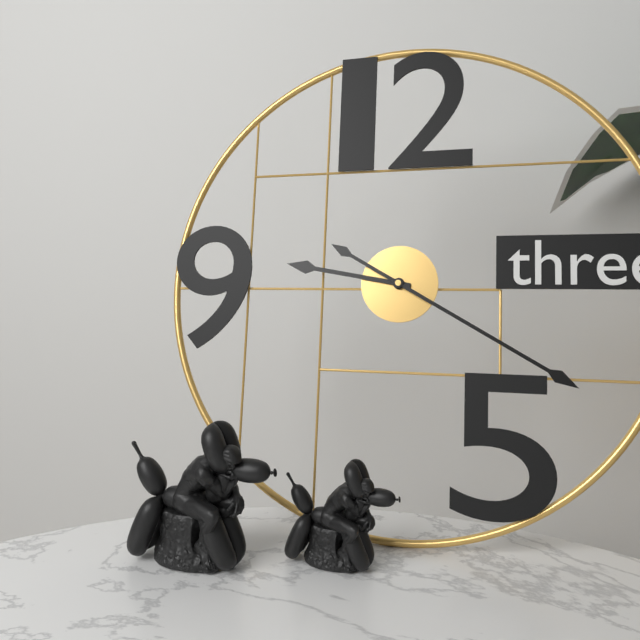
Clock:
9:20
